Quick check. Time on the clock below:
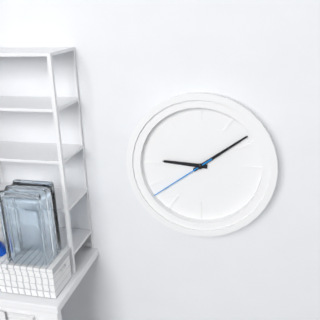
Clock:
9:09:39
